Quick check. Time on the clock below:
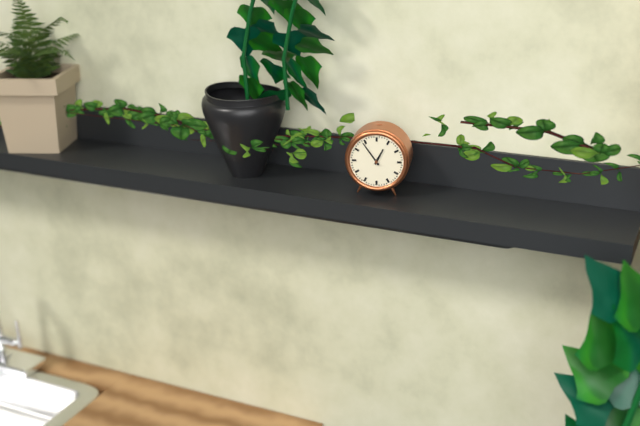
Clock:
12:54
